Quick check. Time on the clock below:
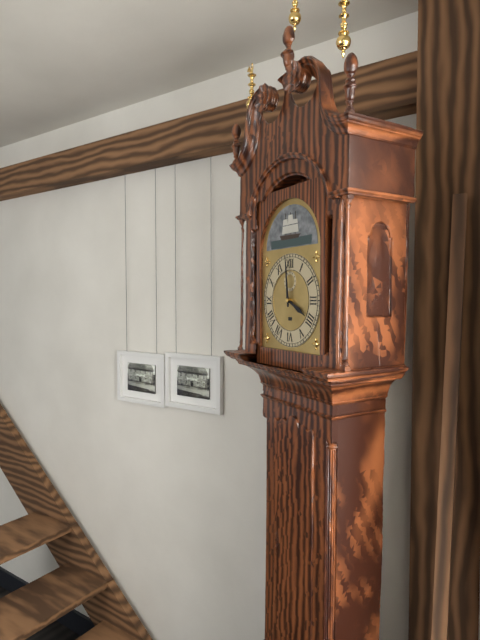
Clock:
3:59
